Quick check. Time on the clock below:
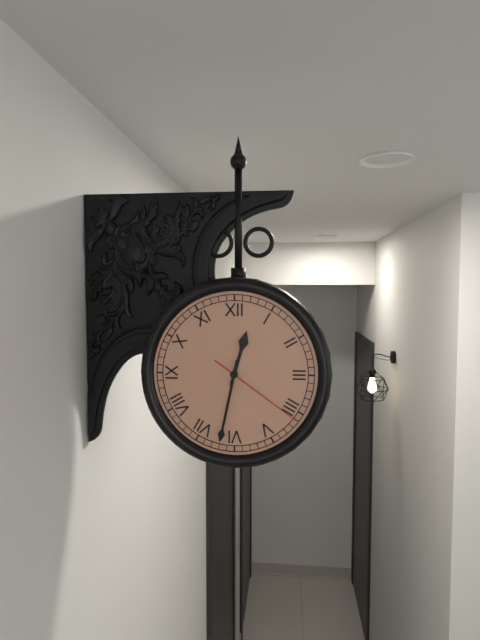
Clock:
12:32:21
